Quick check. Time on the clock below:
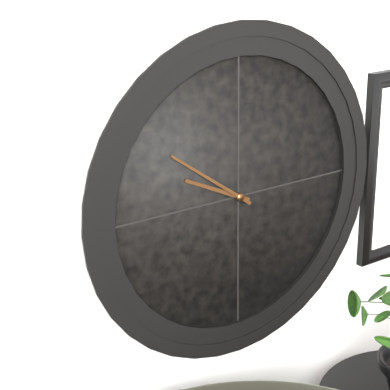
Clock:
9:51
